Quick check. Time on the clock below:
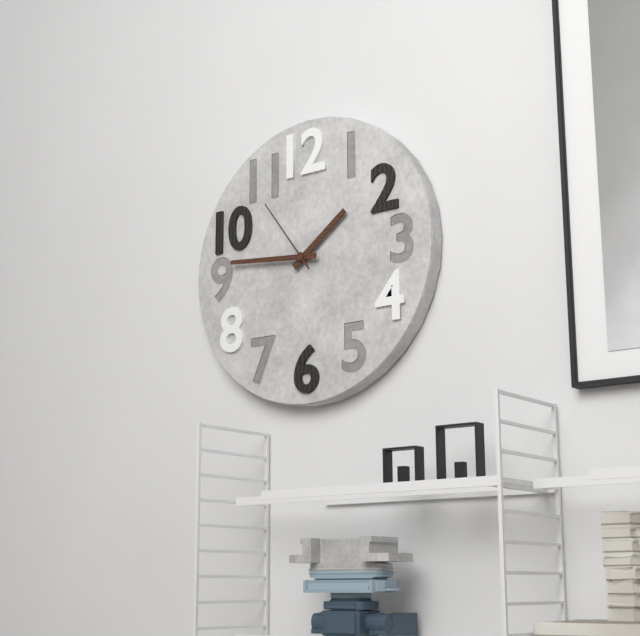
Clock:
1:46:54
